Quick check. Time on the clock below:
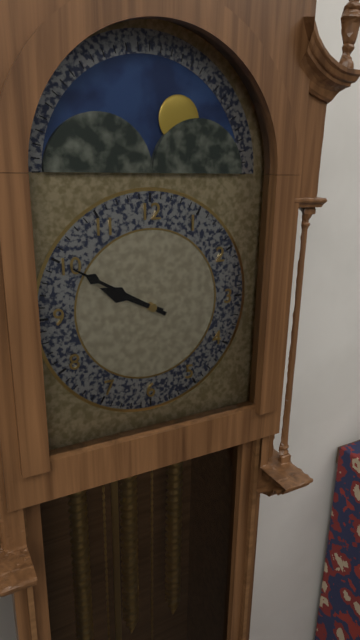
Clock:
9:50
